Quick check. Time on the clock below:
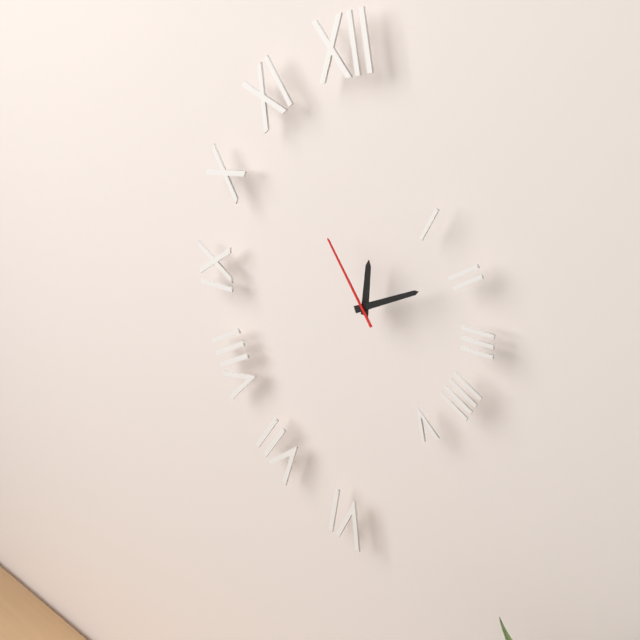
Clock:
12:11:54
